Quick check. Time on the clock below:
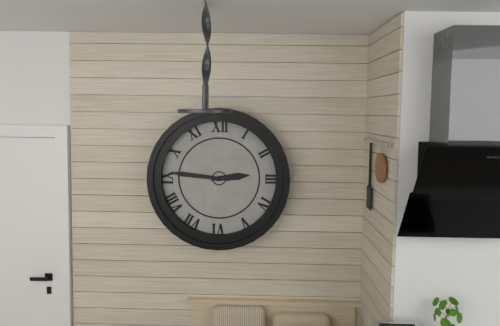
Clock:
2:46
